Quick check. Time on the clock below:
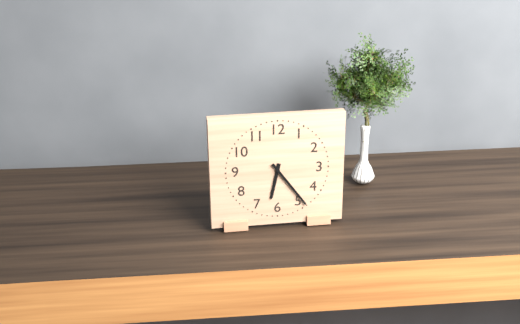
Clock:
6:24
